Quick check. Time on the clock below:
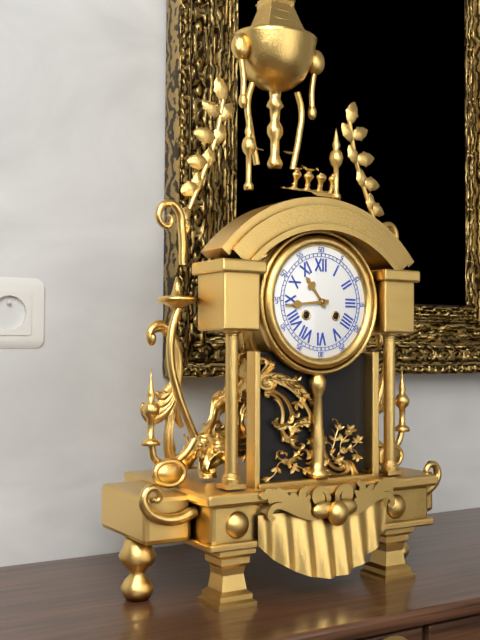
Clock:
10:44
